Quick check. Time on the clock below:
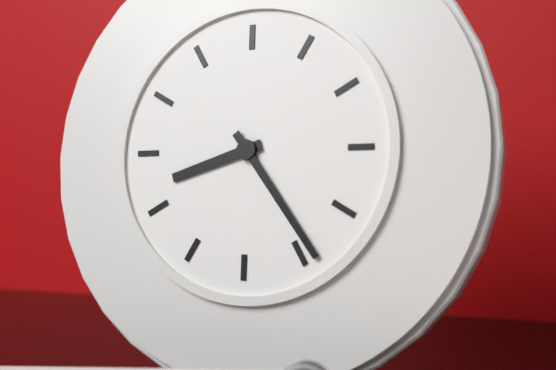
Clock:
8:24
